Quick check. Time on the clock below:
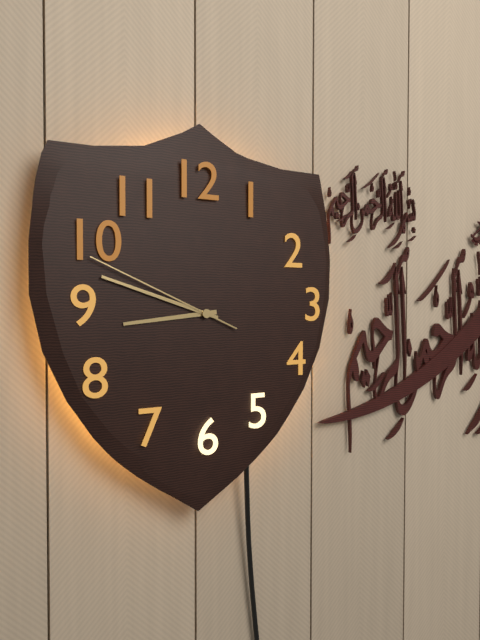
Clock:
8:48:49
